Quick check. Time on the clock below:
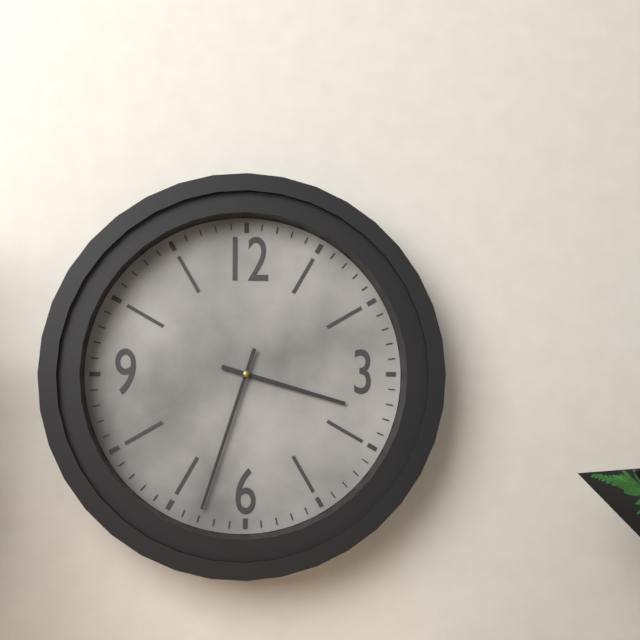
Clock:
3:33
